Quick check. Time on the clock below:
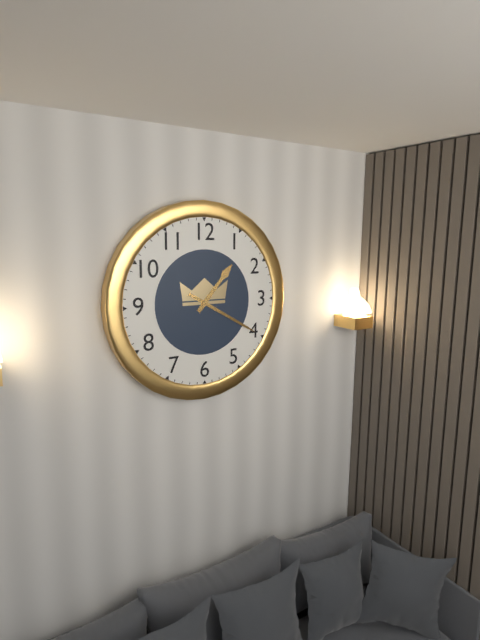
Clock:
1:20
